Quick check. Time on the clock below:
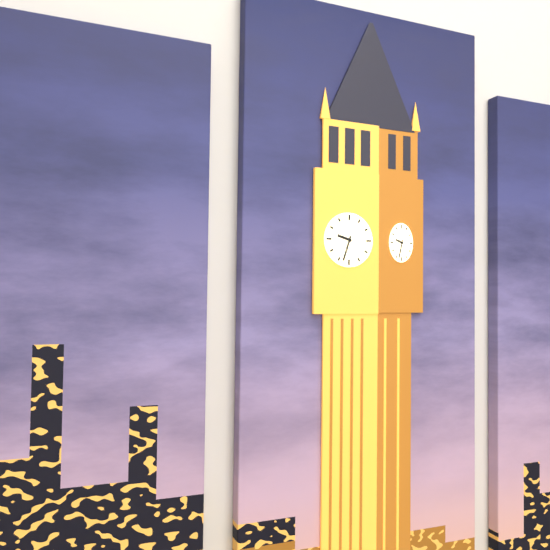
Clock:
9:33
